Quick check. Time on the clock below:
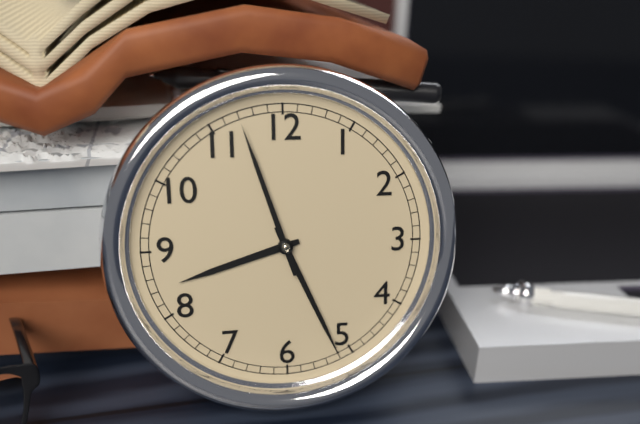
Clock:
8:26:57
